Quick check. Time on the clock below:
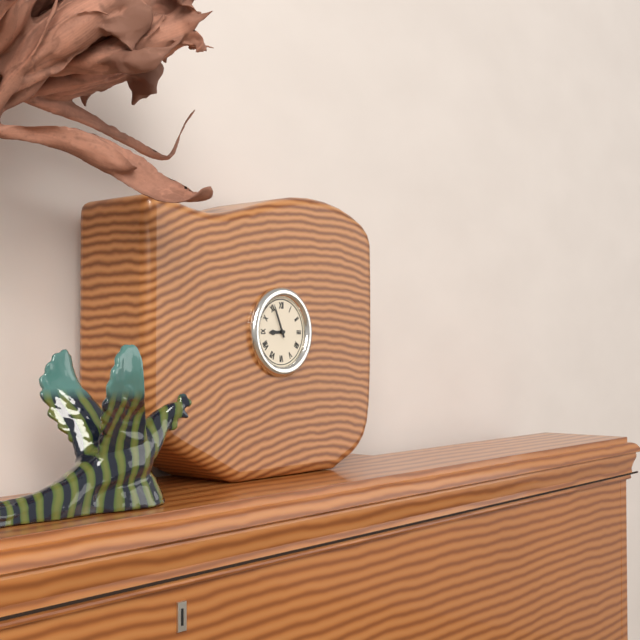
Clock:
8:56
